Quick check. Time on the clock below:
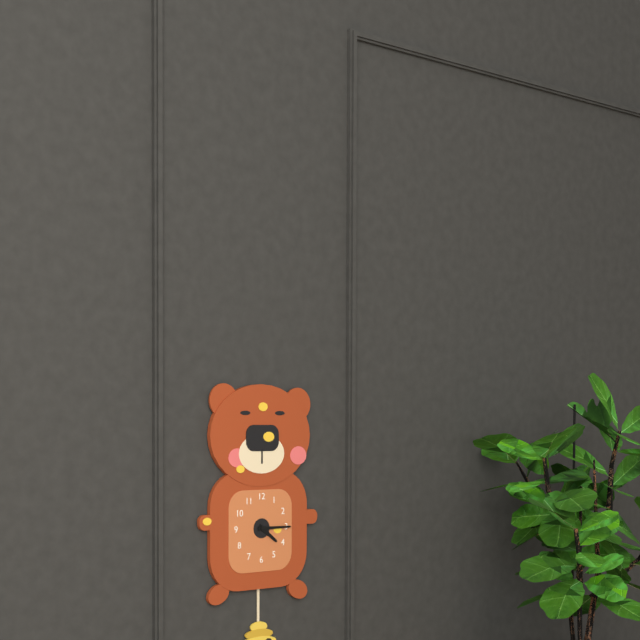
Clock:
4:15
